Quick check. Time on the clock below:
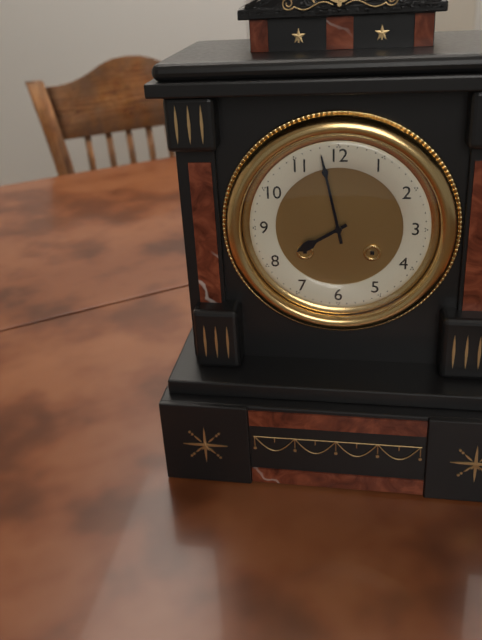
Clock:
7:58
